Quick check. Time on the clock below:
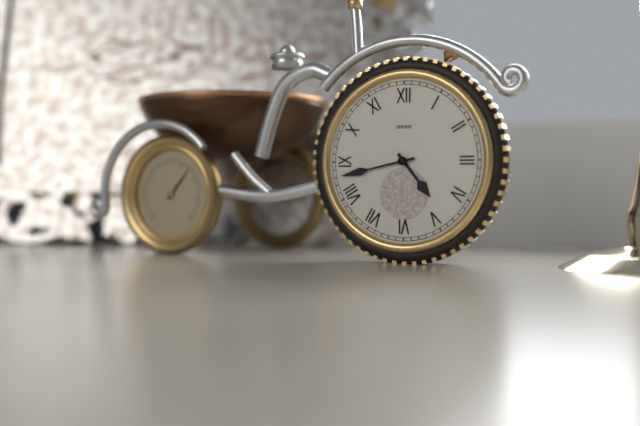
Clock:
4:43
